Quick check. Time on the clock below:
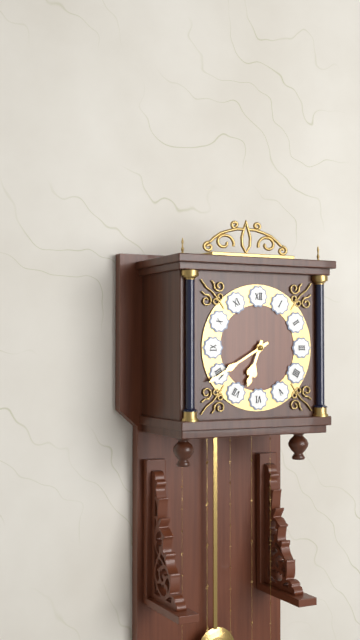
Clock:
6:40
